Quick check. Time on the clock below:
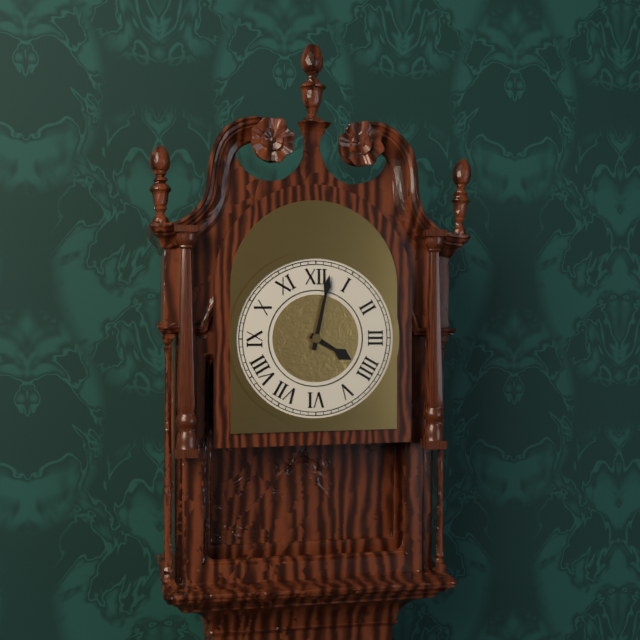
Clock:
4:02
